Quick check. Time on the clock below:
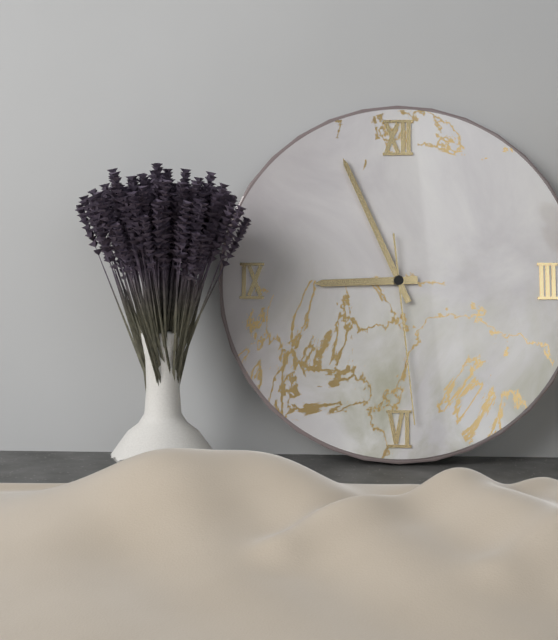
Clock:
8:56:29
